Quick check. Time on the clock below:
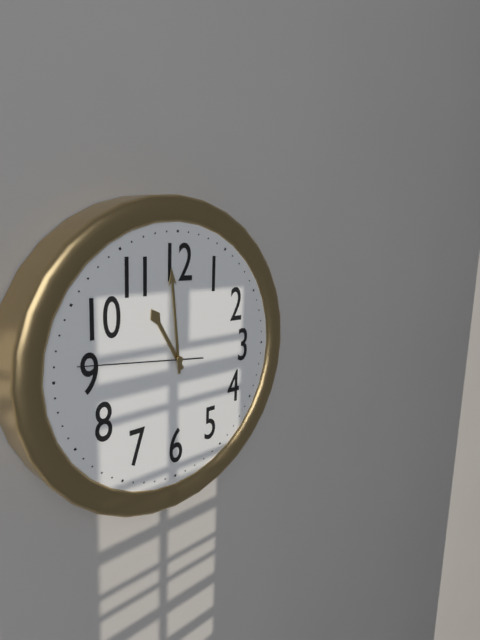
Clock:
10:59:46
